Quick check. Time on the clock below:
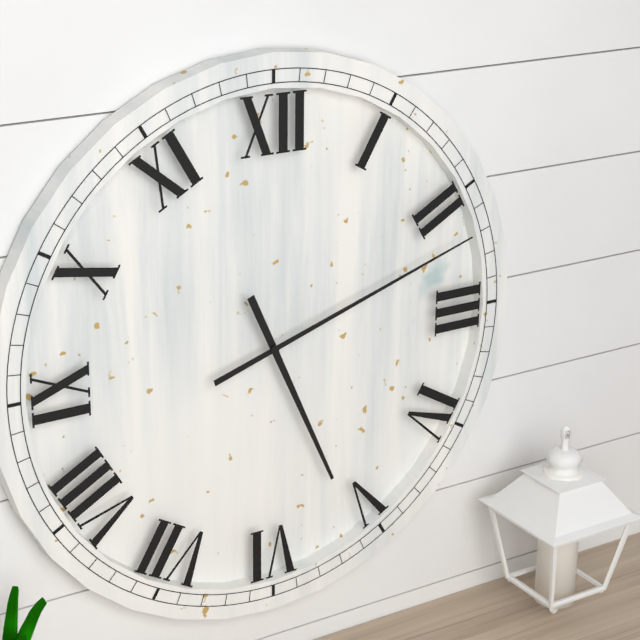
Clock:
5:12
